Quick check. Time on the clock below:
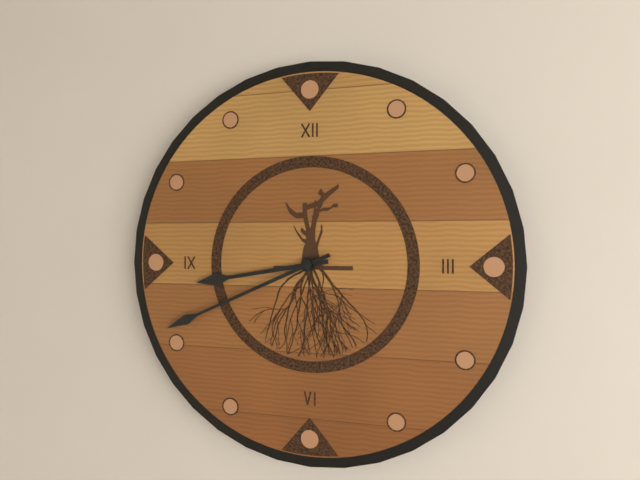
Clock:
8:41
